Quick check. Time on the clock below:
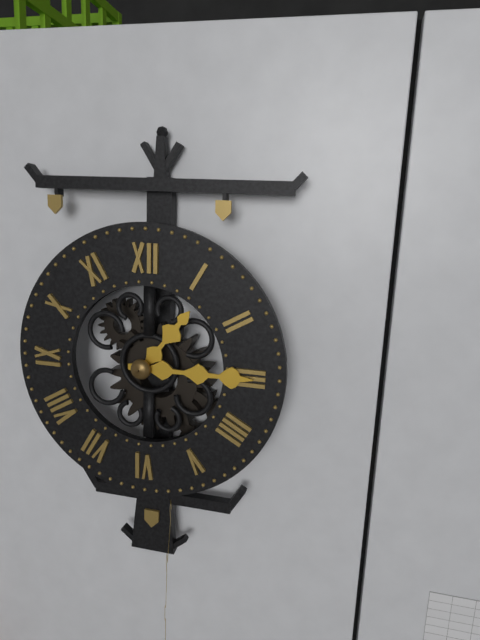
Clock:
1:15
